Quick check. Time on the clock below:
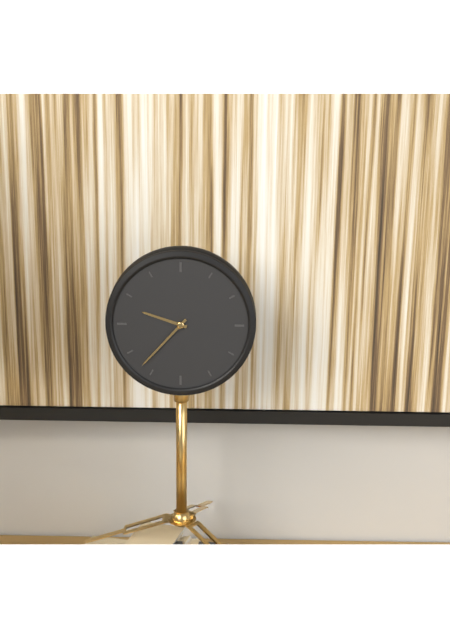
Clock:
9:37
